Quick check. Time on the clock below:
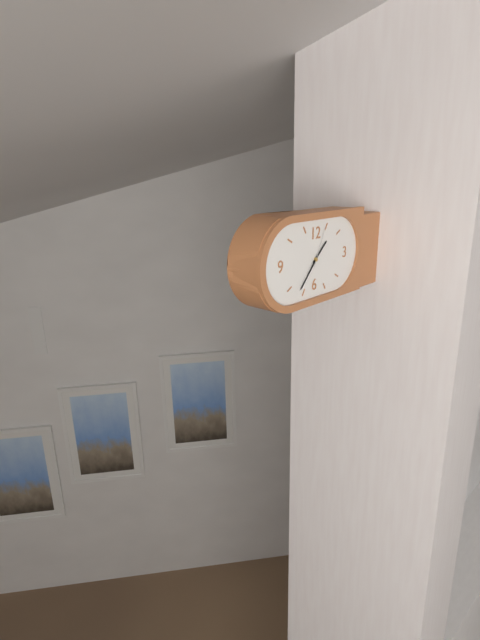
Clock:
1:37:04
